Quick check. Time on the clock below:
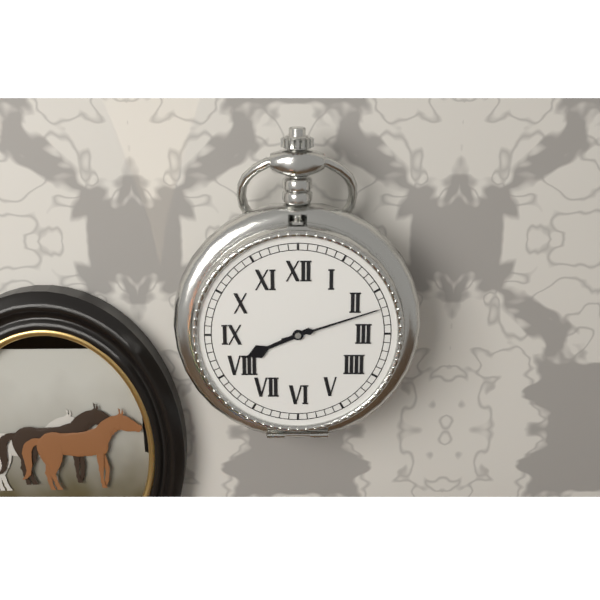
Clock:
8:12
